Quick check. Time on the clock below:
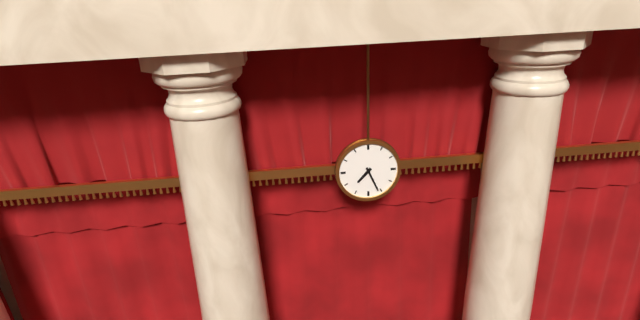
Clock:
7:26
